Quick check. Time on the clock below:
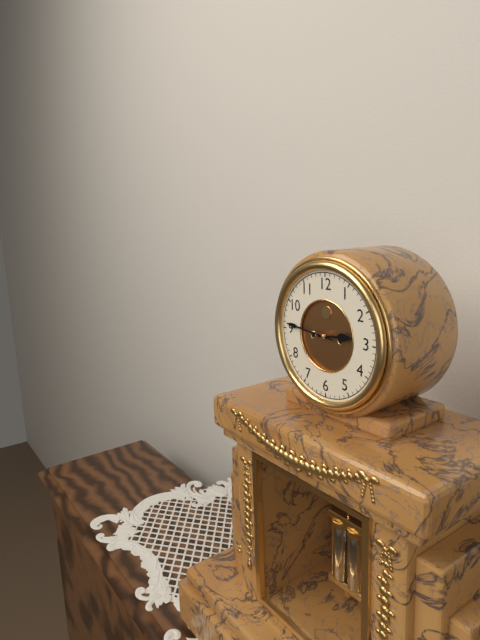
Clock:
2:46
